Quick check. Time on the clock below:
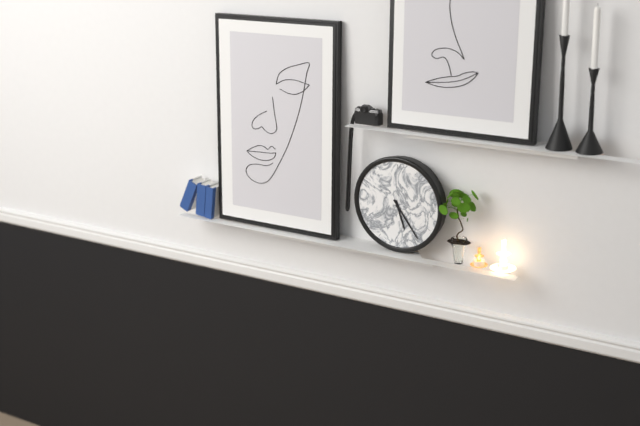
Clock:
5:24
